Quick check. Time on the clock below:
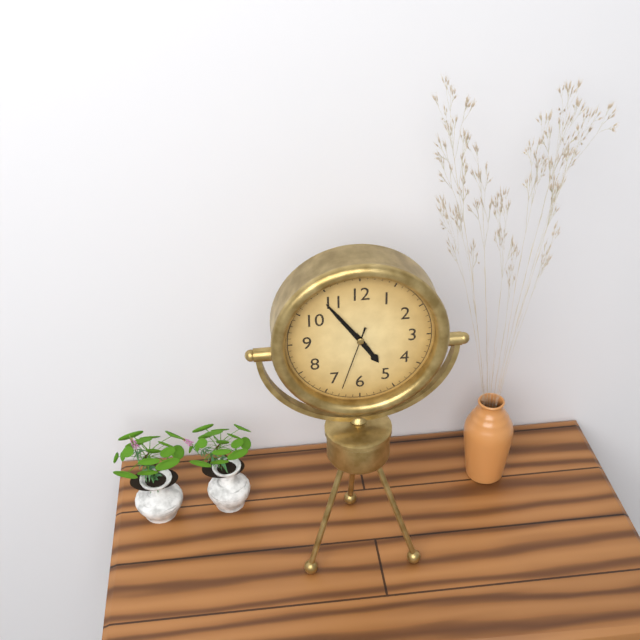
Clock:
4:54:33
